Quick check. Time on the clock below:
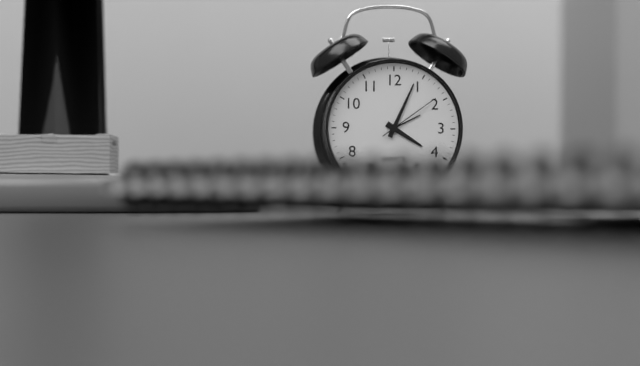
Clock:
4:04:09
